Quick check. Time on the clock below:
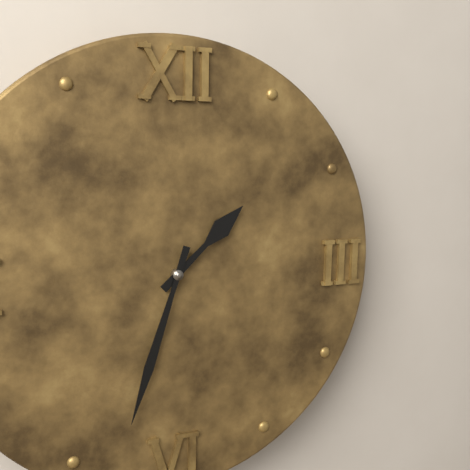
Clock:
1:33
